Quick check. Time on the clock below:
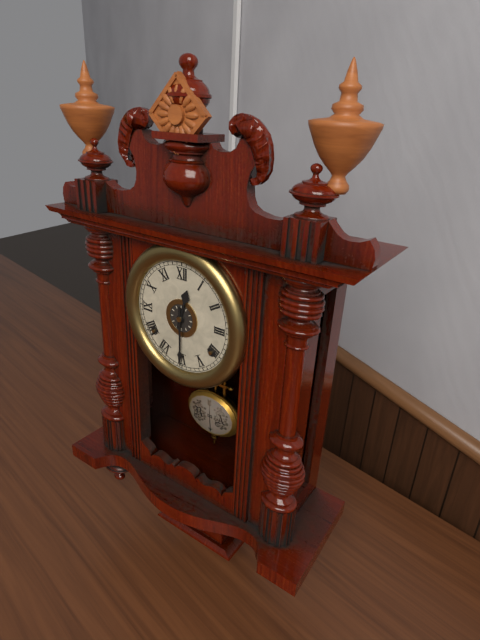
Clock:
12:30
